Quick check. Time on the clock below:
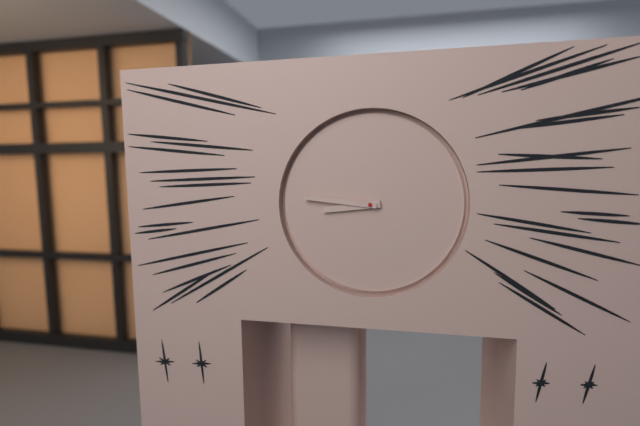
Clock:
8:46
